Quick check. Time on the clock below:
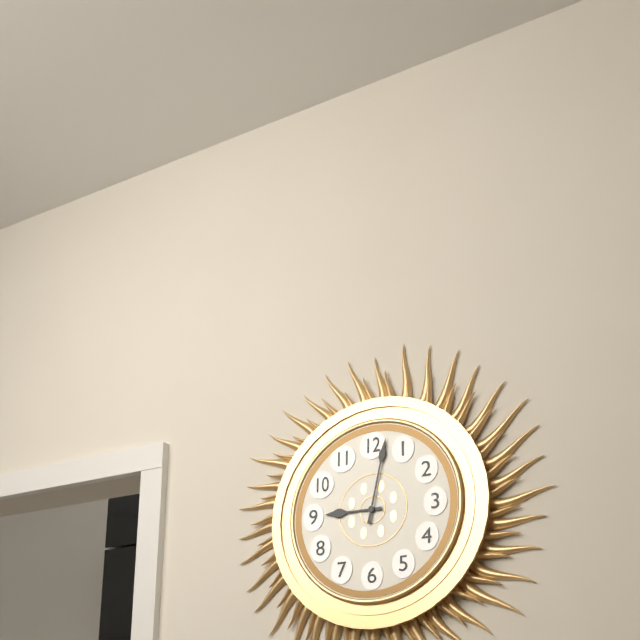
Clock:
9:02
